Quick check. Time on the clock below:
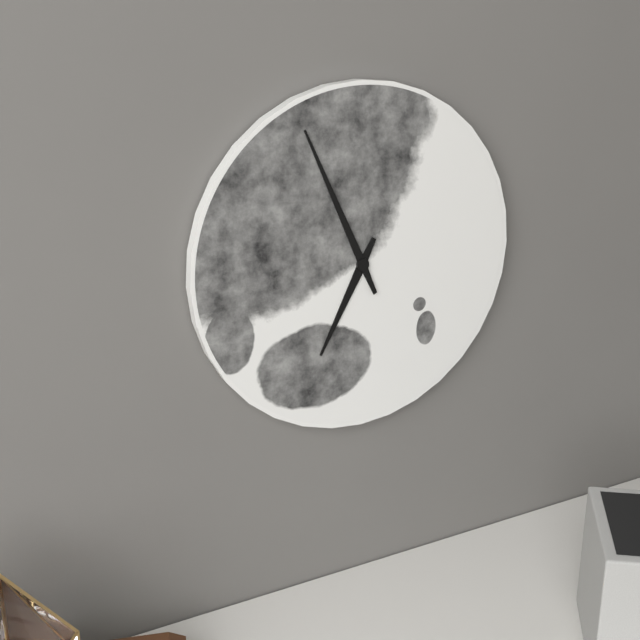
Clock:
6:56
